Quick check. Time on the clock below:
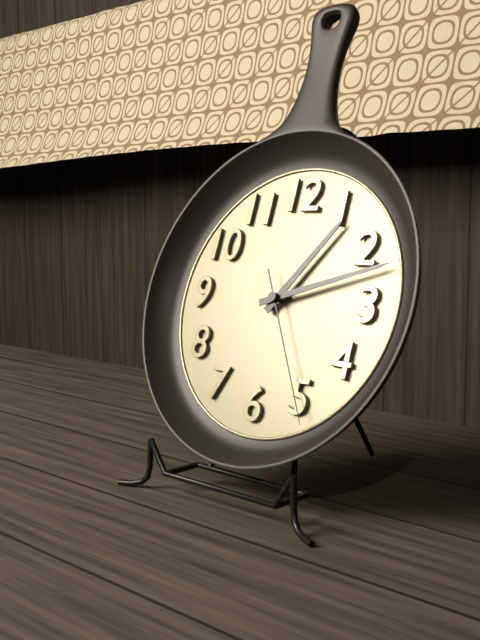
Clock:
1:12:25
